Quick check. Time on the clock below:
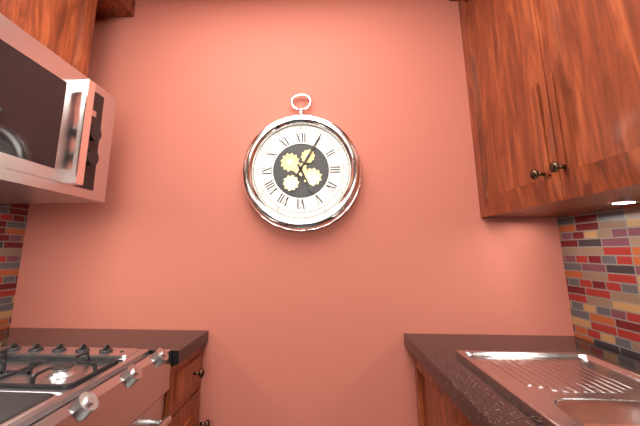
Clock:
5:05
